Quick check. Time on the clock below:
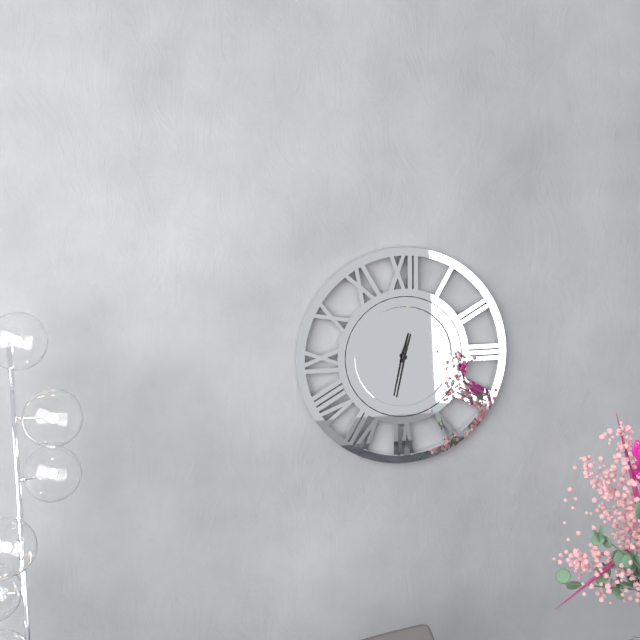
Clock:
12:32
